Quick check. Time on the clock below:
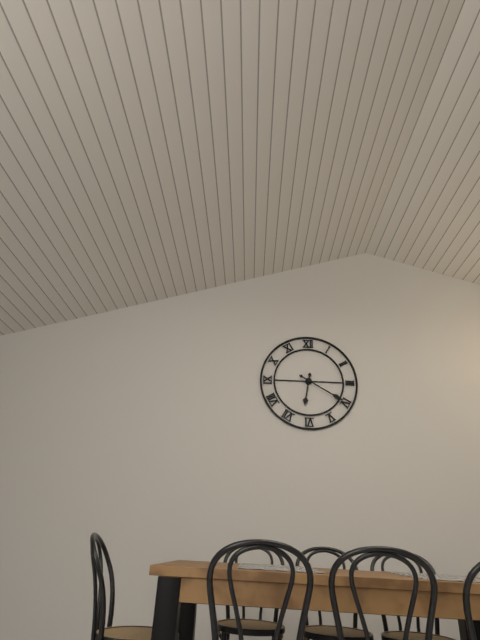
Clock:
6:20
